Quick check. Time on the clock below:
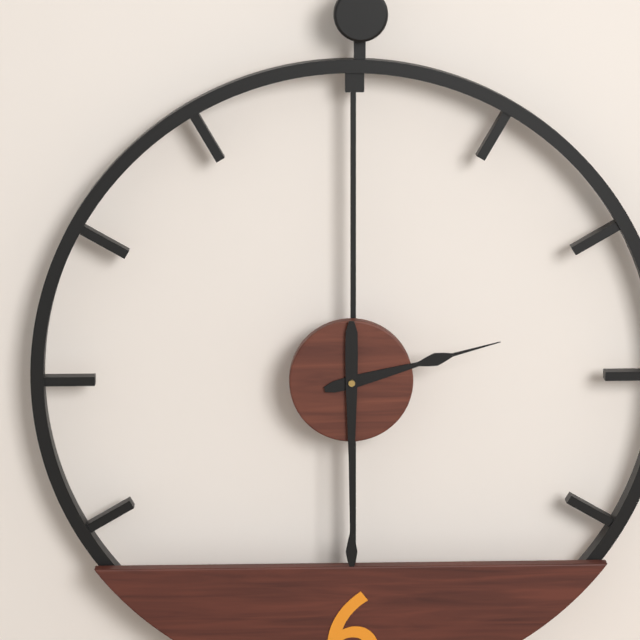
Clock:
2:30
